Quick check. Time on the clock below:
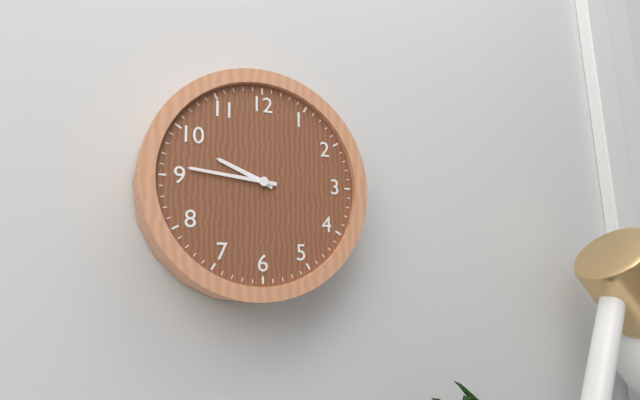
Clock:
9:46
